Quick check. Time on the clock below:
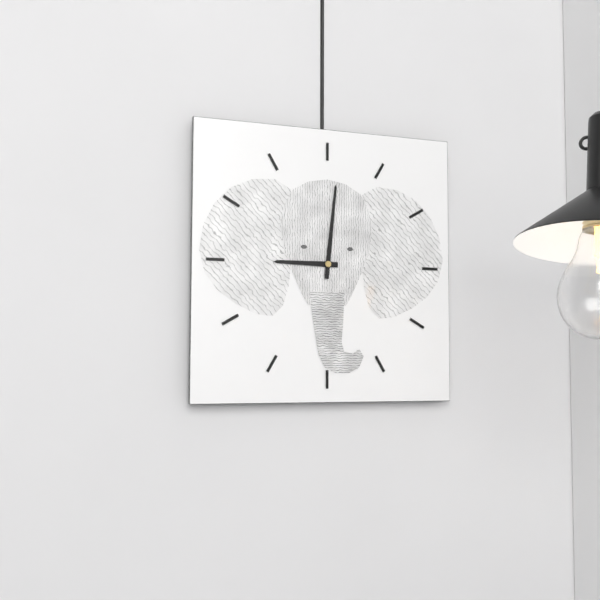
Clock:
9:01
